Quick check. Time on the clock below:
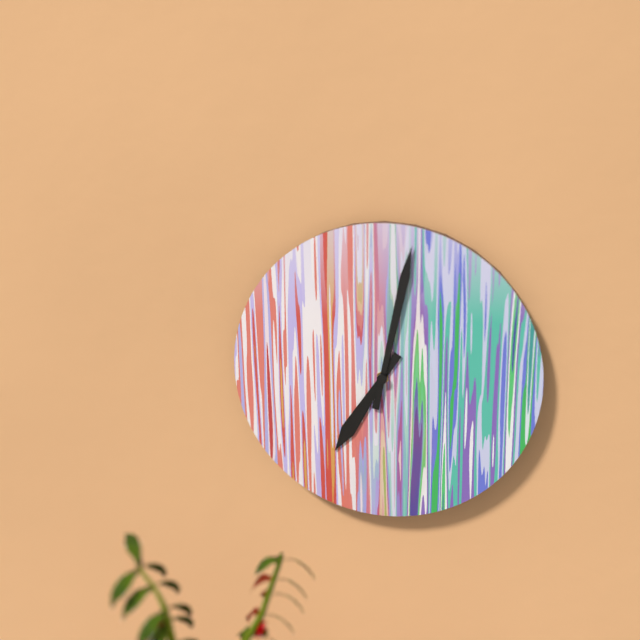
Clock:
7:02
